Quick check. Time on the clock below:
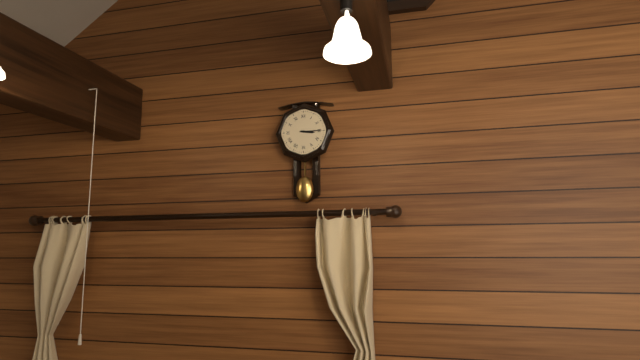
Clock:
3:15
